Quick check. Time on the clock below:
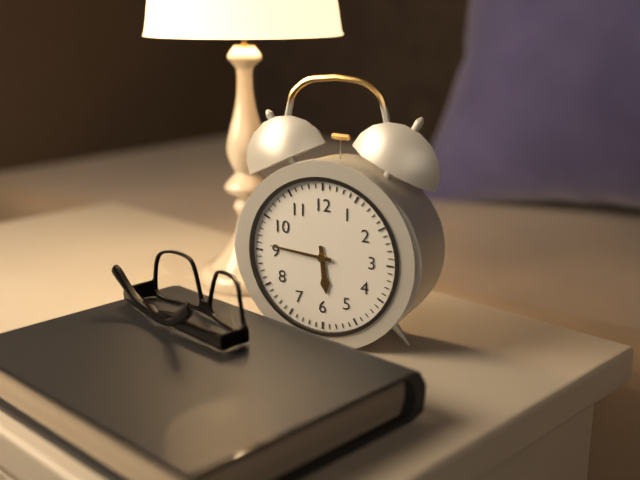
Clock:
5:46
